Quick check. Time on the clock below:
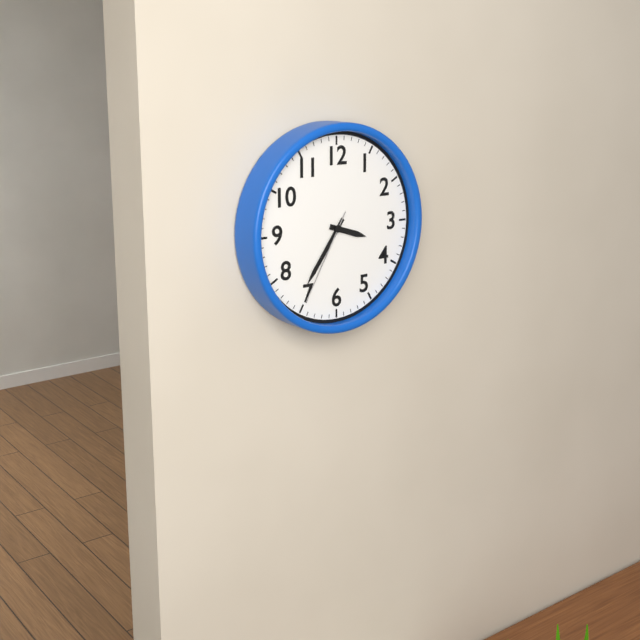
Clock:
3:36:35
